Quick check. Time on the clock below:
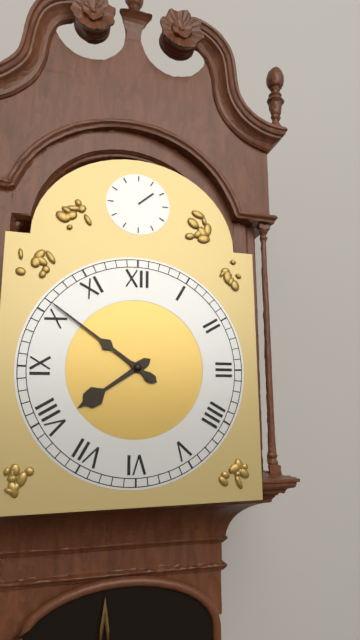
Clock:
7:51
